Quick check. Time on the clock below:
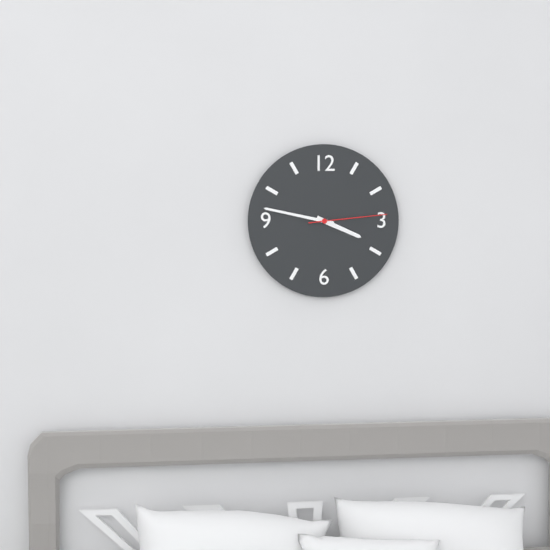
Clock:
3:47:14
